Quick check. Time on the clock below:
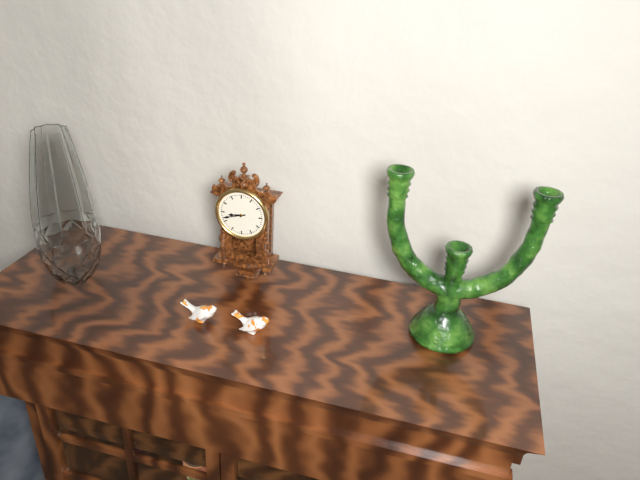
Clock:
8:42
